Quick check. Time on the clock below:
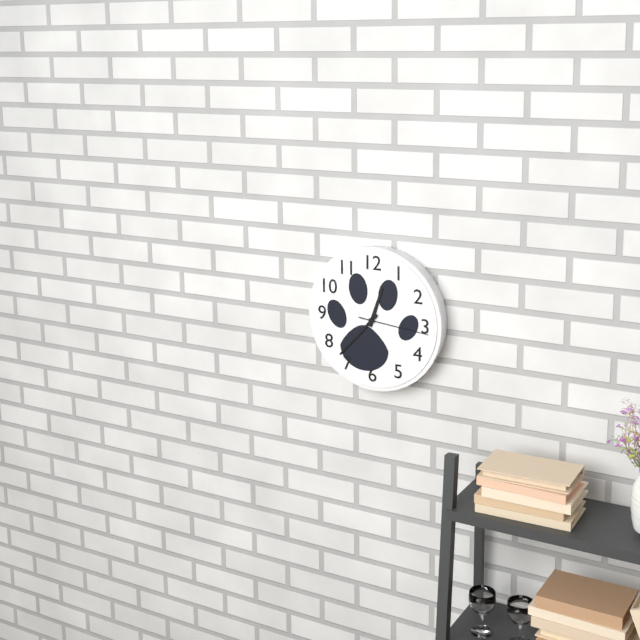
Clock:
12:37:16
